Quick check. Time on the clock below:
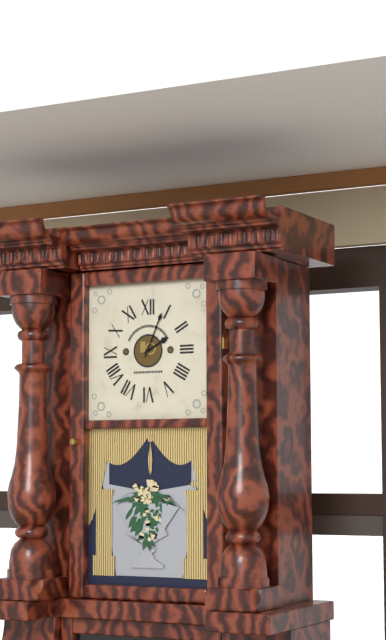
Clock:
2:04
